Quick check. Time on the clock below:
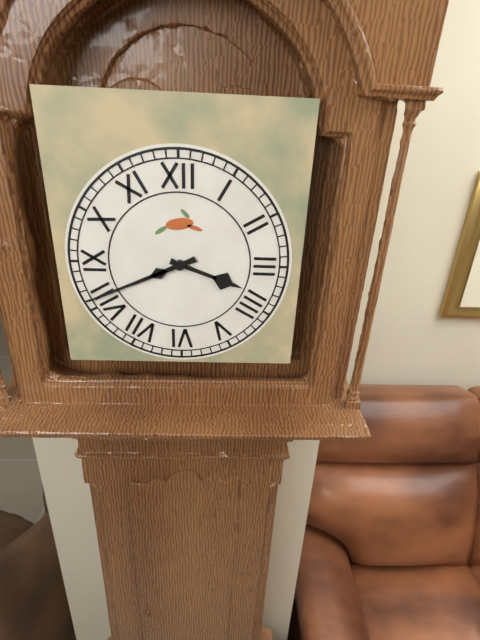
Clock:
3:41
